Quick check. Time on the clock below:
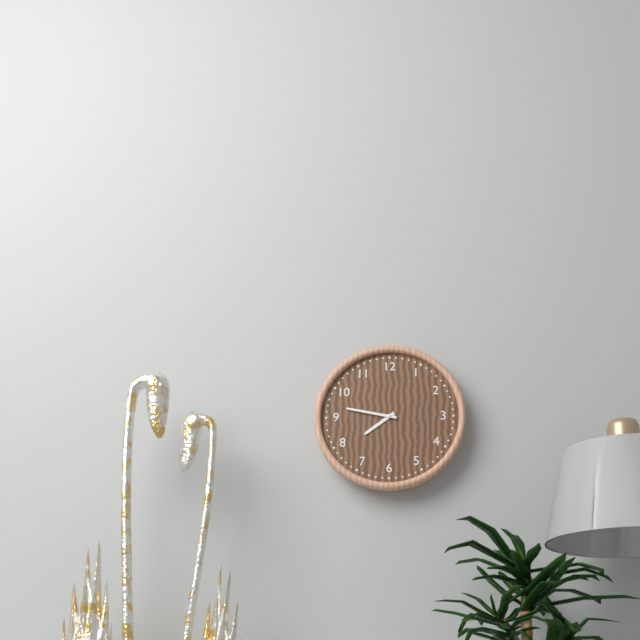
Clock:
7:47
